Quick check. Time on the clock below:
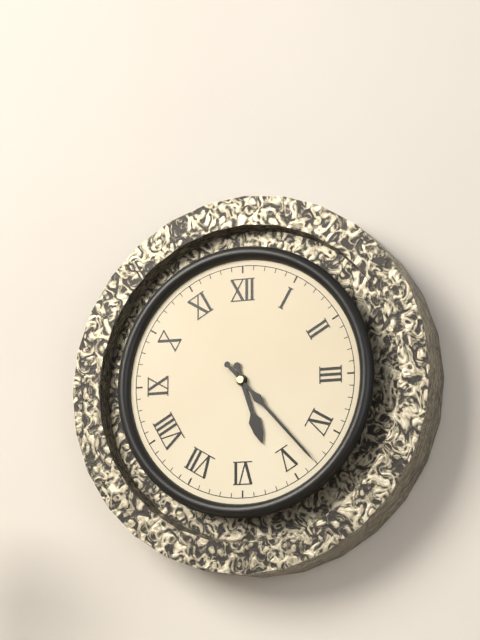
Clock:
5:23
